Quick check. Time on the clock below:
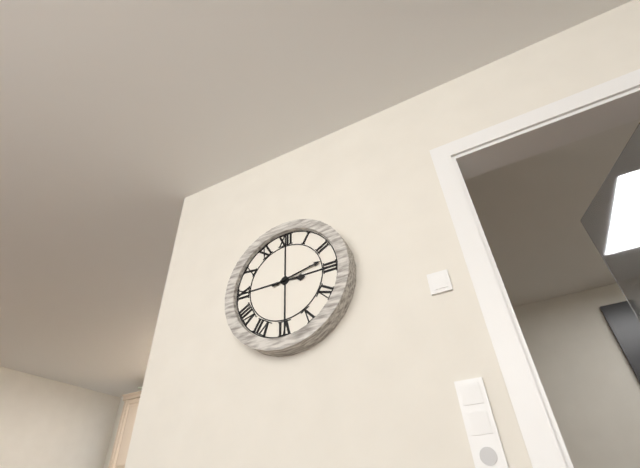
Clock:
3:13
